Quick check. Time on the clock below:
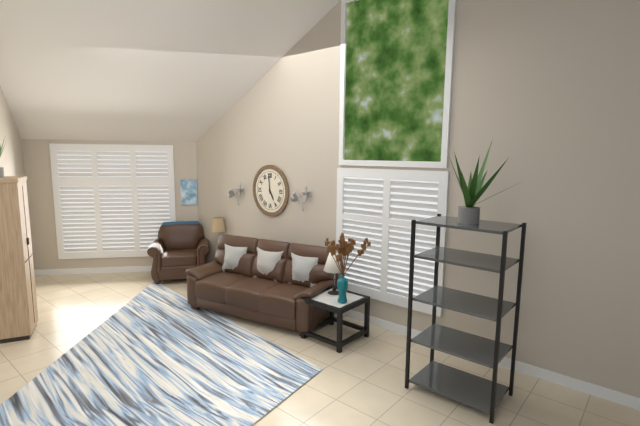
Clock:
4:59
